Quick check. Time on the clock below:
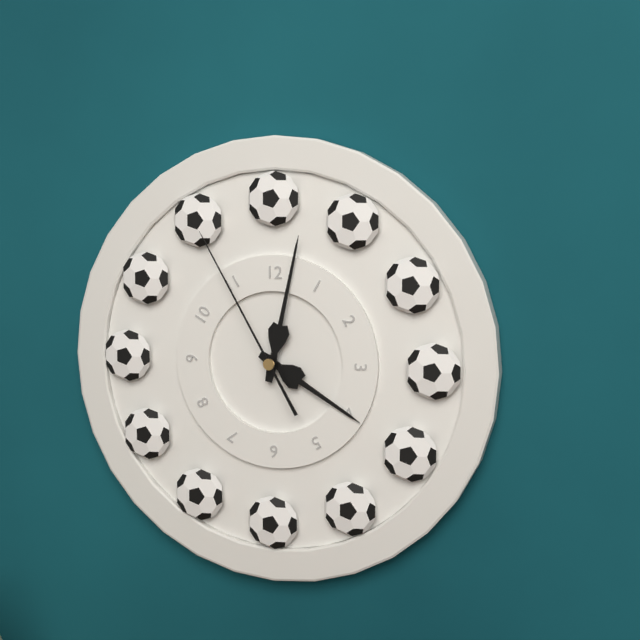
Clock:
4:02:55
